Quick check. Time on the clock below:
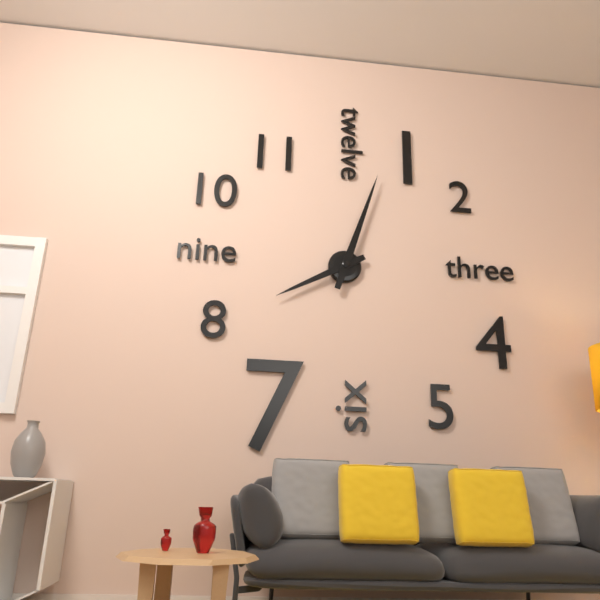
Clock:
8:03
